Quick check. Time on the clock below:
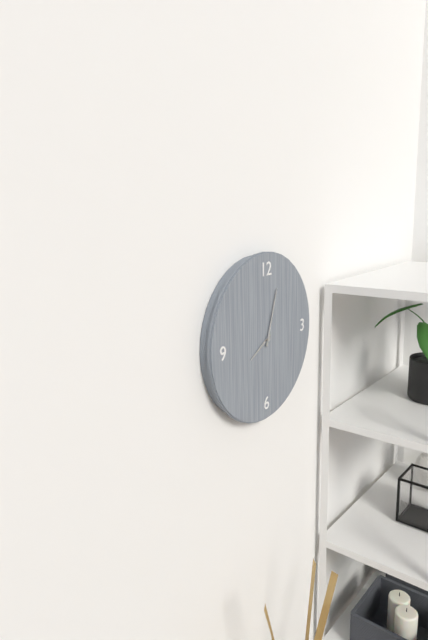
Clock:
8:03
